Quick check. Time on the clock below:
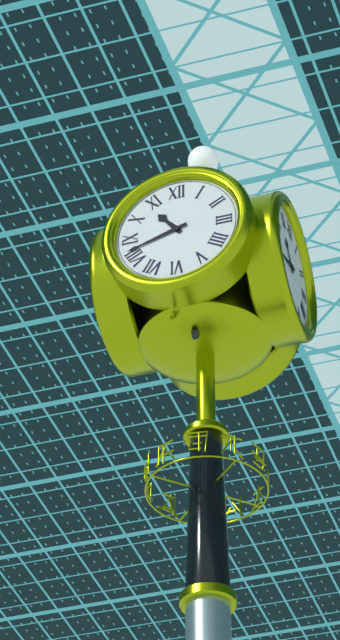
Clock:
10:42
